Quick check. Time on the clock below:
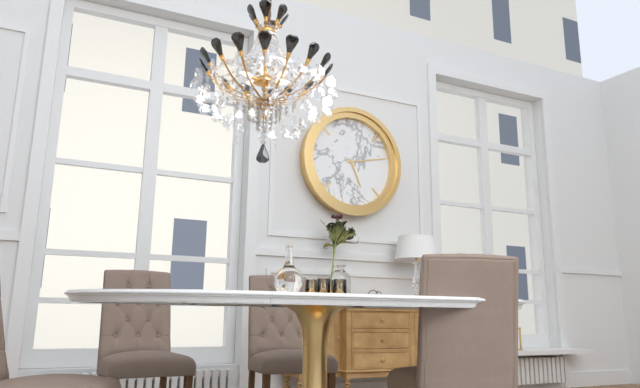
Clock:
5:13
